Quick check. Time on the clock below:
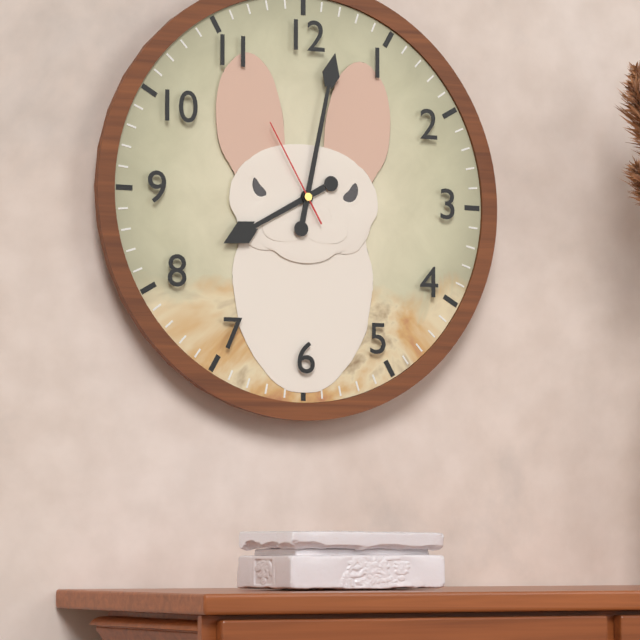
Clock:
8:02:55
